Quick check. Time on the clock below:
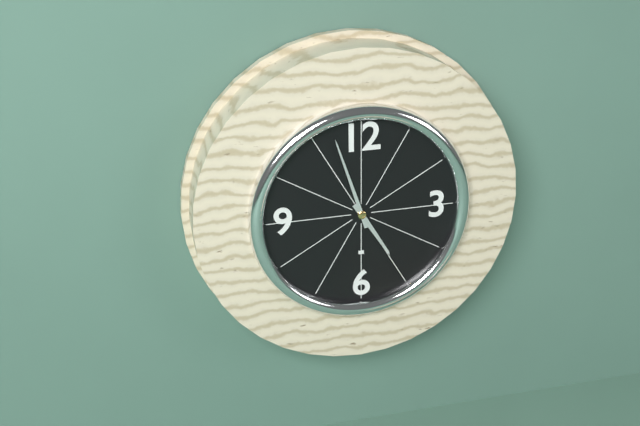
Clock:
4:57
